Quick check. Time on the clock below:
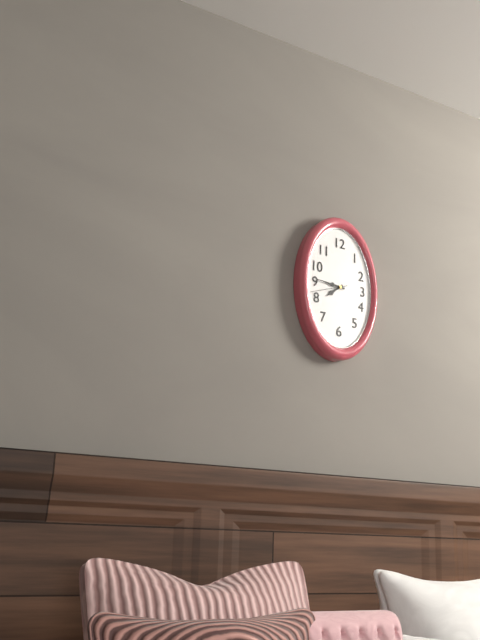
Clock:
7:46
